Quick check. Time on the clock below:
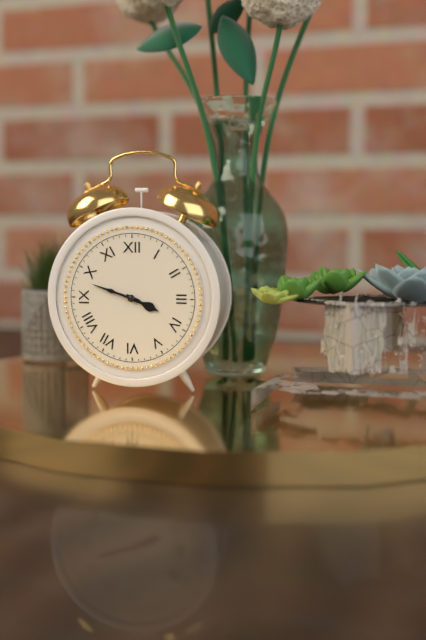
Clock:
3:48
